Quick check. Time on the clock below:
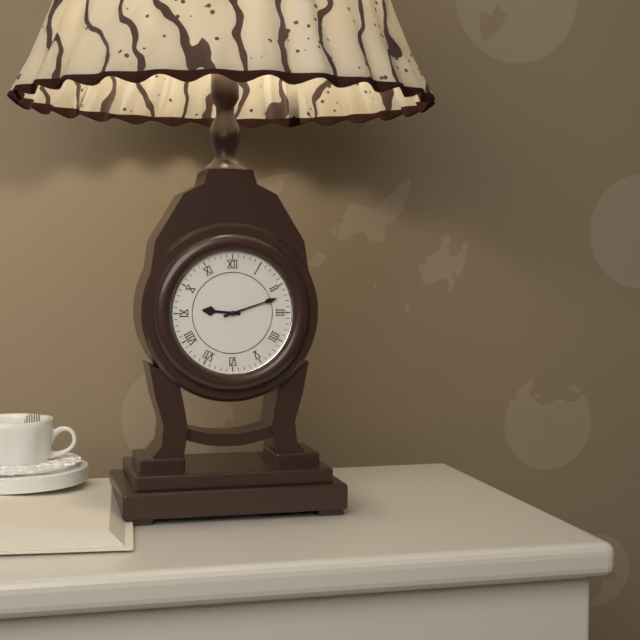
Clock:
9:12
